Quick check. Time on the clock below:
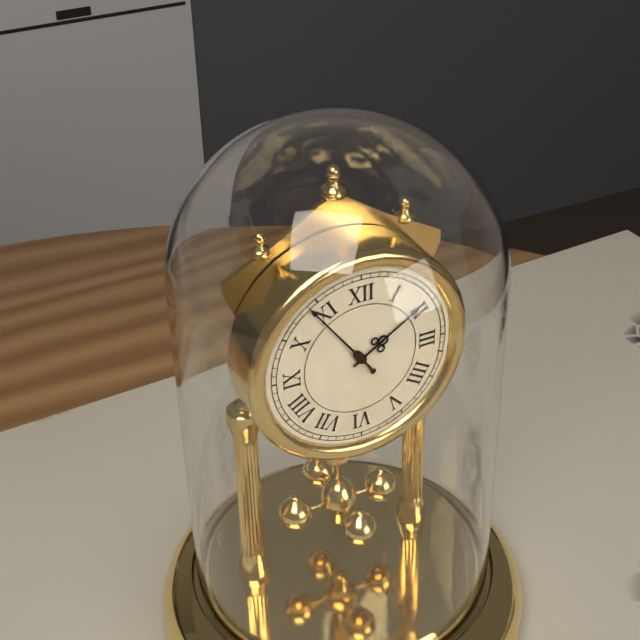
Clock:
1:54
